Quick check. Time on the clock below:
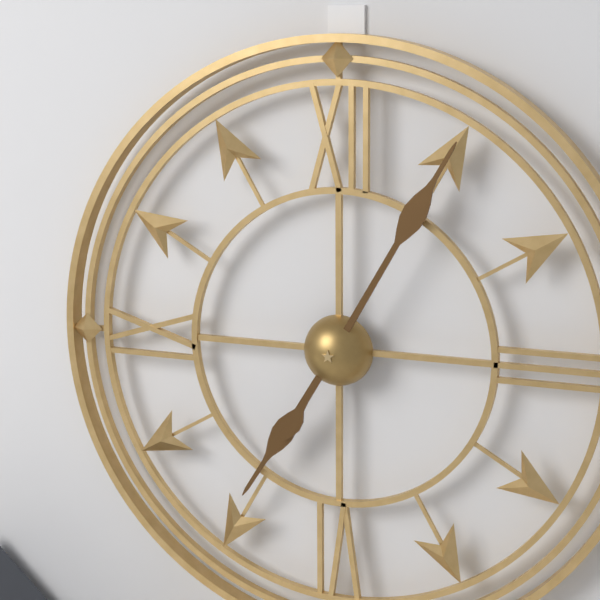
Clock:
7:05
